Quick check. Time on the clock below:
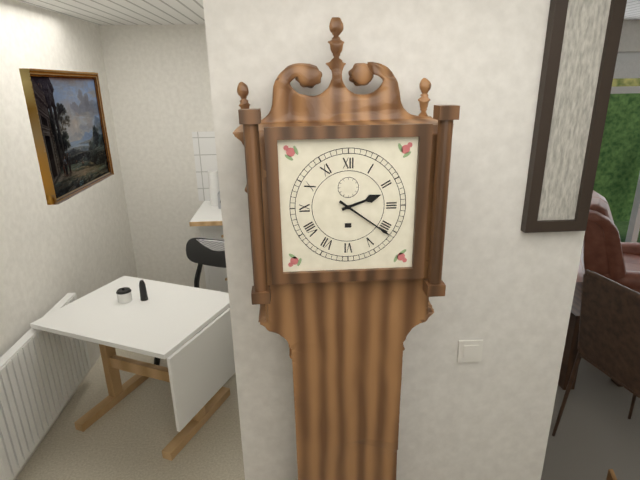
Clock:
2:21
